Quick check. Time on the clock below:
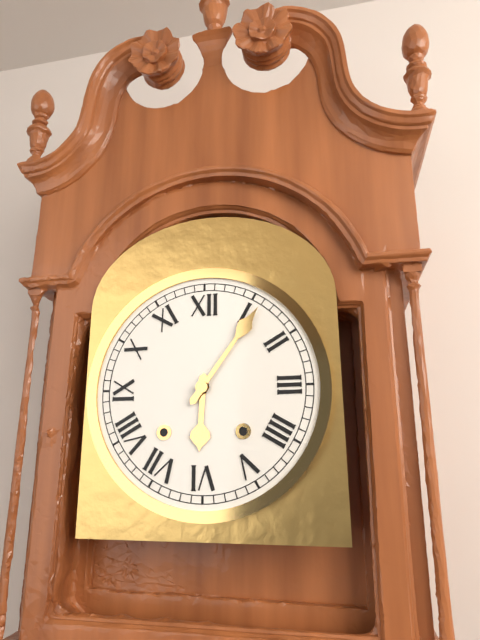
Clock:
6:06
